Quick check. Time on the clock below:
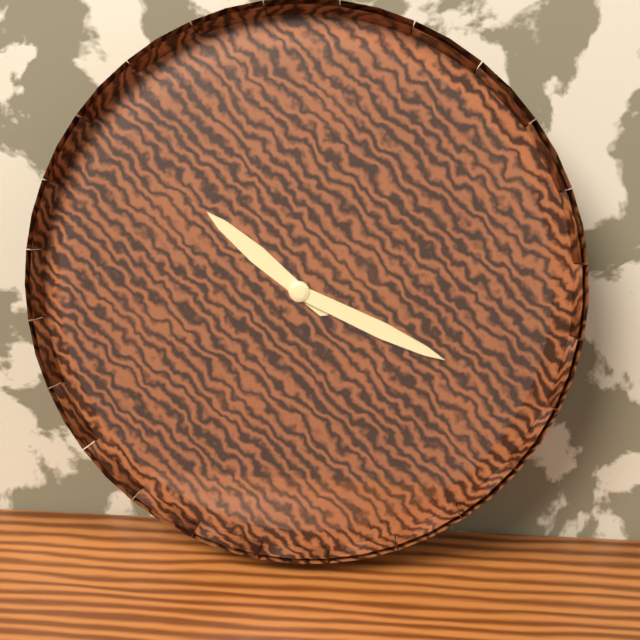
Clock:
10:19
